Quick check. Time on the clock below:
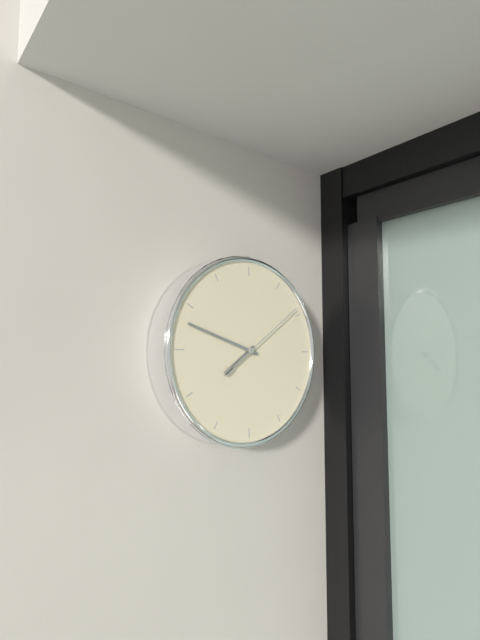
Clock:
7:48:09
